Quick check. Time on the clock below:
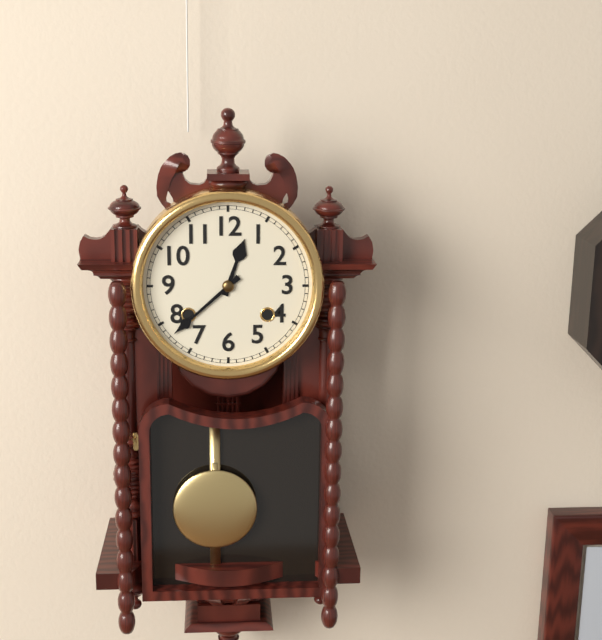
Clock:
12:38
